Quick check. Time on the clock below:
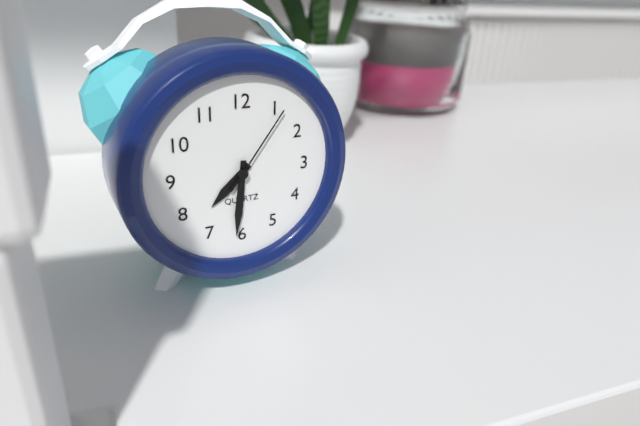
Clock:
7:31:06
